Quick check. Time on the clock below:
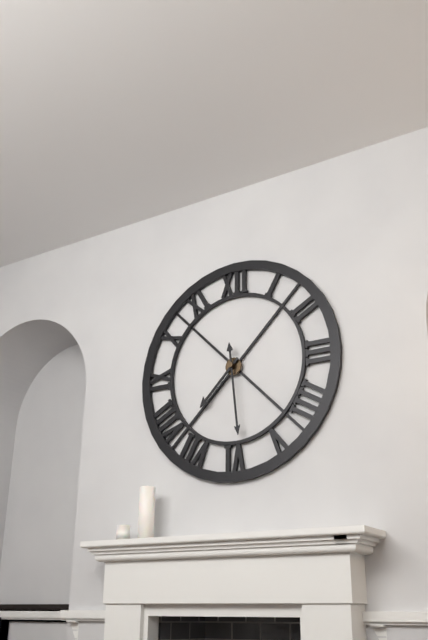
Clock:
7:29
